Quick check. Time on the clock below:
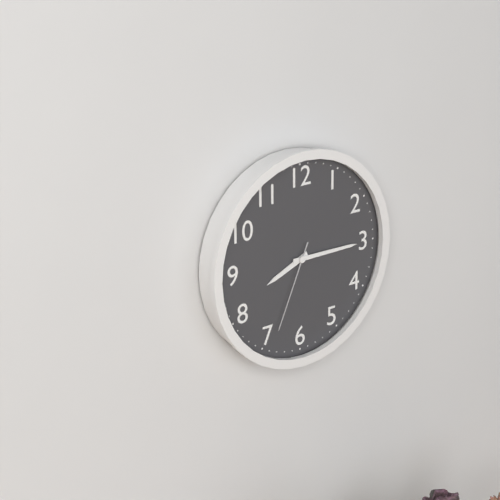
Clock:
8:15:34
